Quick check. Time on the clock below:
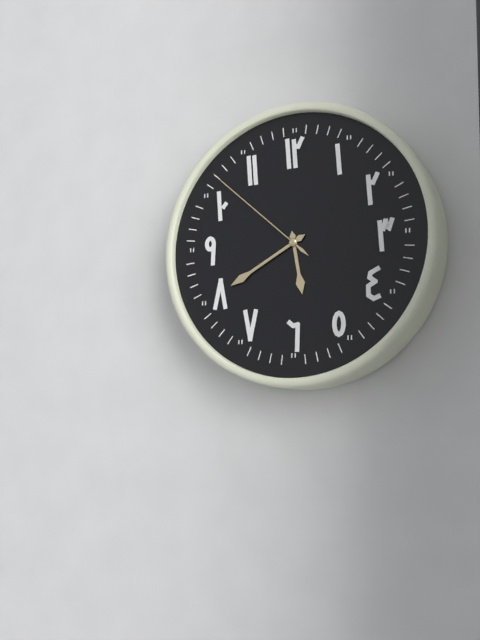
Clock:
5:40:52
